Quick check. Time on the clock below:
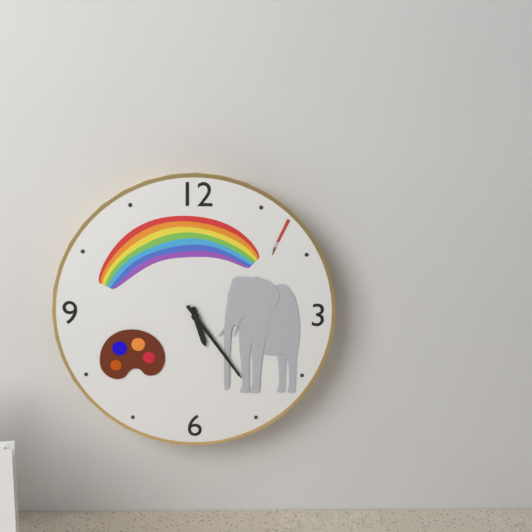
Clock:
5:24
